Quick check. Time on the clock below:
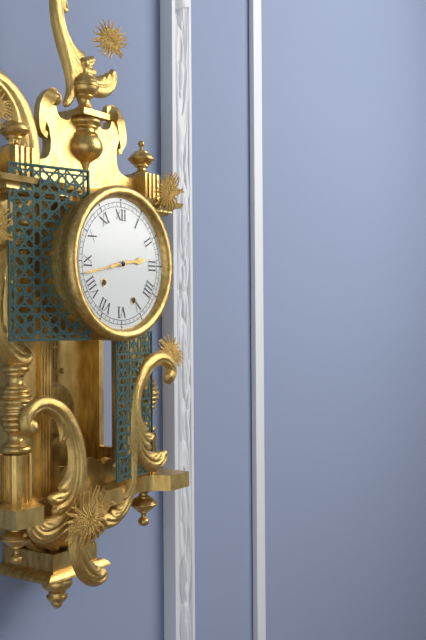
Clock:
2:43
